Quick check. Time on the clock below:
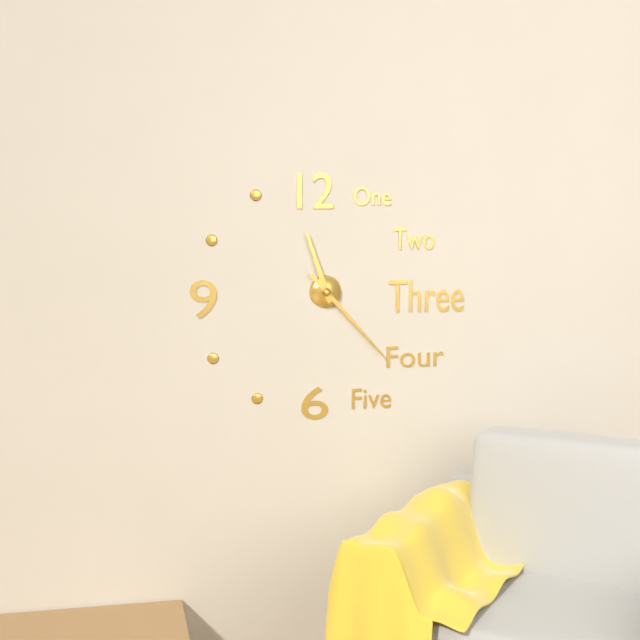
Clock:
11:23
